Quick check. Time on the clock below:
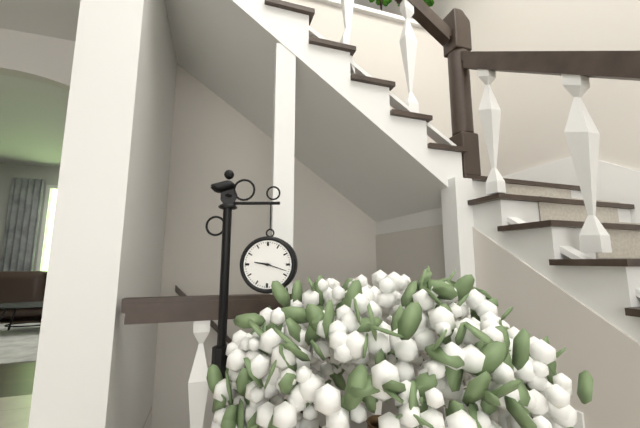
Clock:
9:18
